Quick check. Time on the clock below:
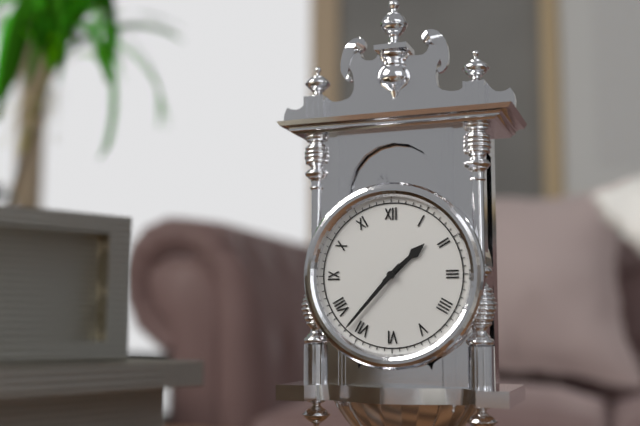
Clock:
1:37
